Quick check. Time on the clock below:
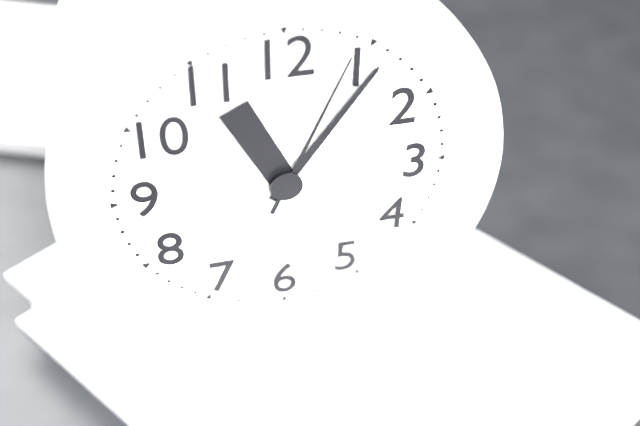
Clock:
11:06:04
